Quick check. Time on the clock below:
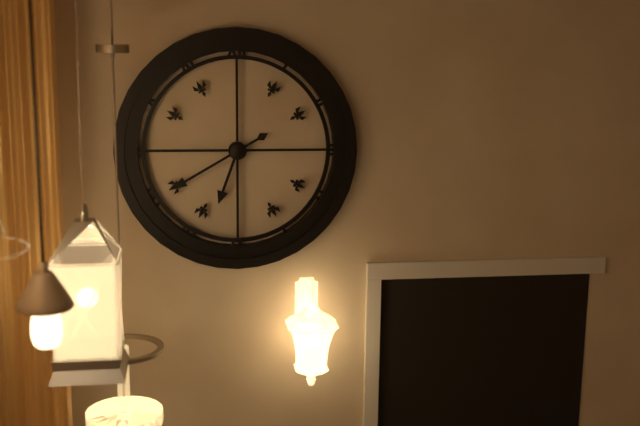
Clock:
6:40
